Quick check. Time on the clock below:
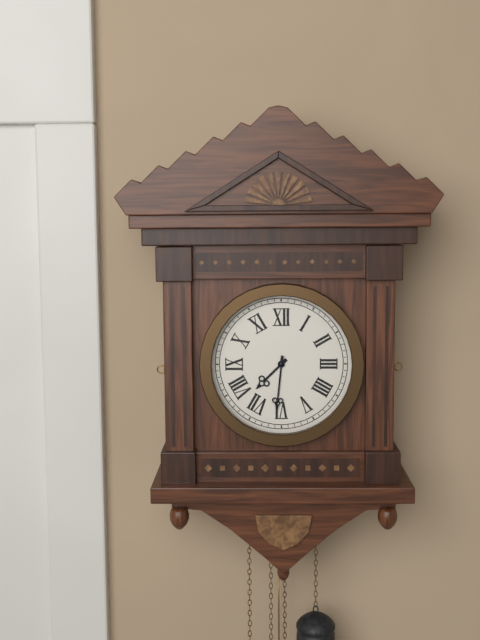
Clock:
7:31
